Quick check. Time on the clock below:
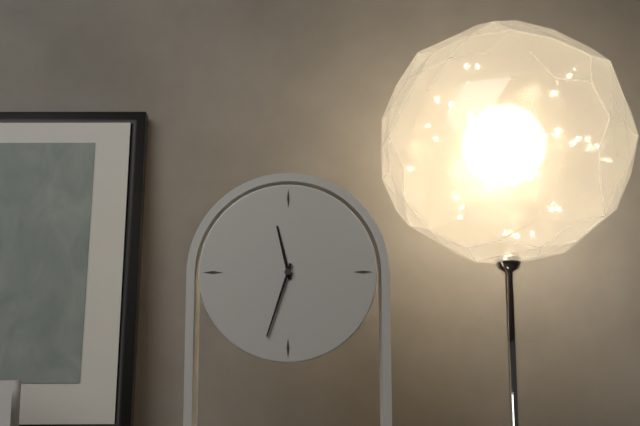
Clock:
11:33
